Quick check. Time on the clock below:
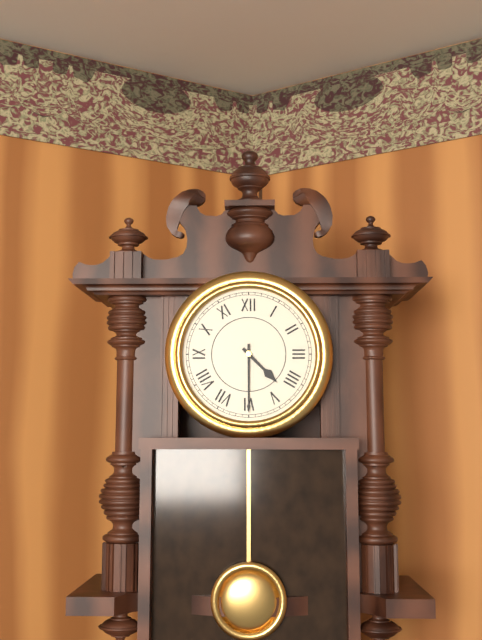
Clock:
4:30
